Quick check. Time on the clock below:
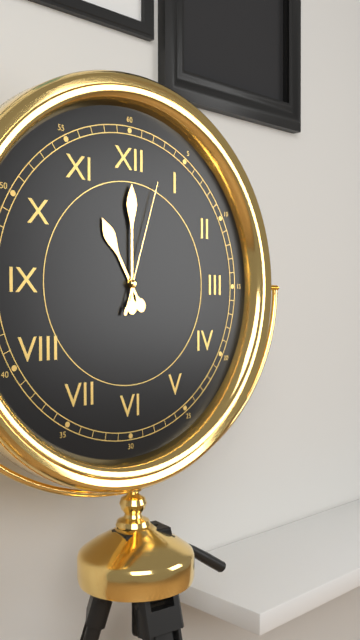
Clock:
11:00:03
